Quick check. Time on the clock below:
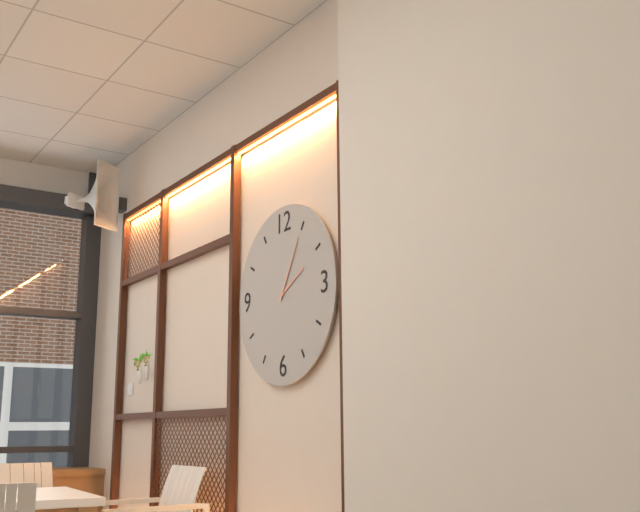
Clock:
2:05
